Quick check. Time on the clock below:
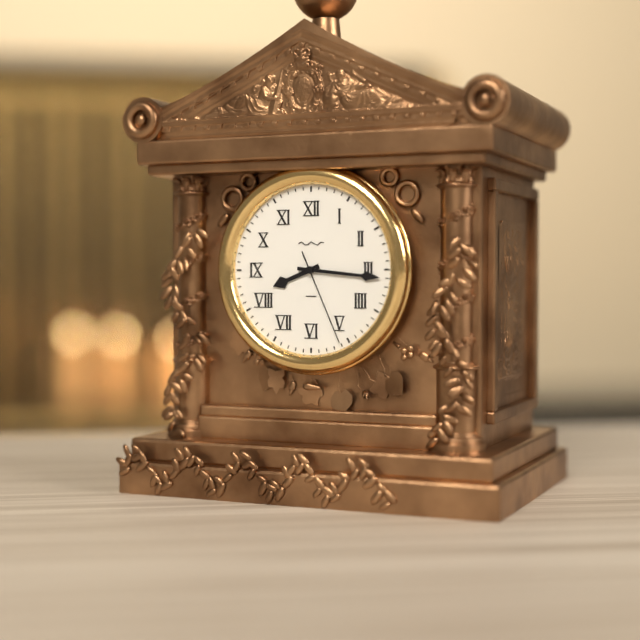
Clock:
8:16:26
